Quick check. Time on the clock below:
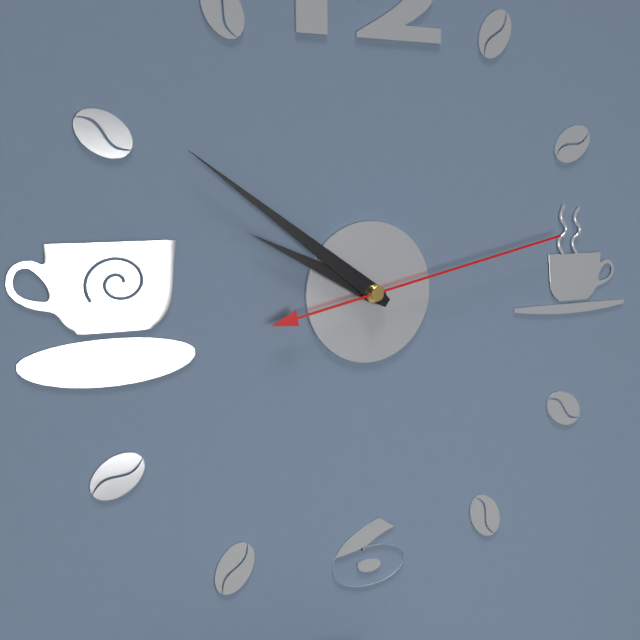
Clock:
9:51:13
